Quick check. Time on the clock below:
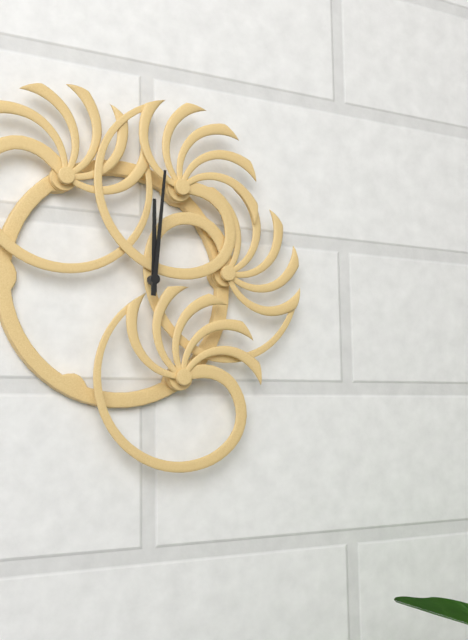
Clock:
12:01
